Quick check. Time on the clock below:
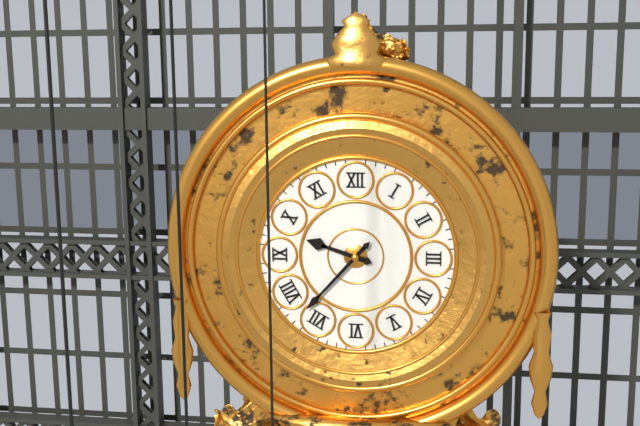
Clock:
9:37
